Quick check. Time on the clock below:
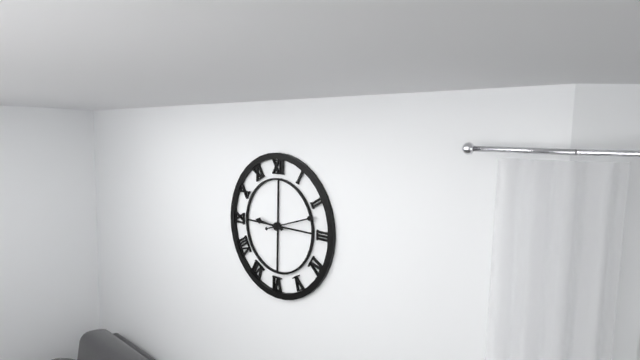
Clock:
9:12
